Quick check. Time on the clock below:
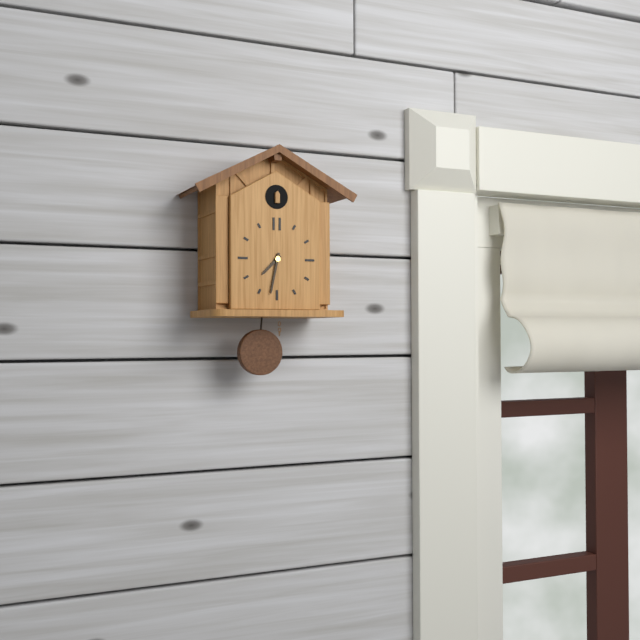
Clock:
7:32
